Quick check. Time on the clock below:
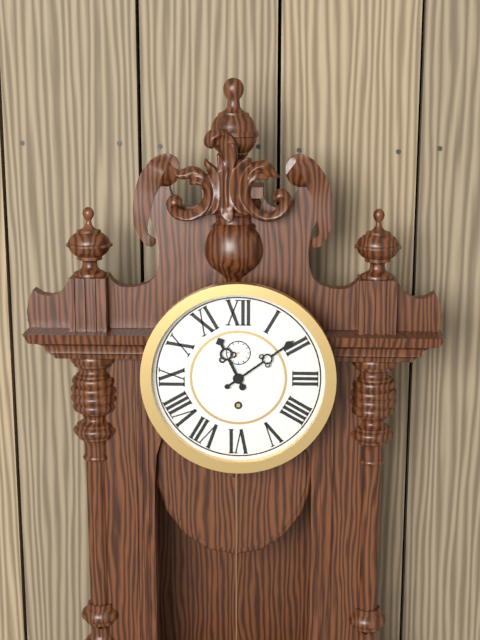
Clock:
11:09
